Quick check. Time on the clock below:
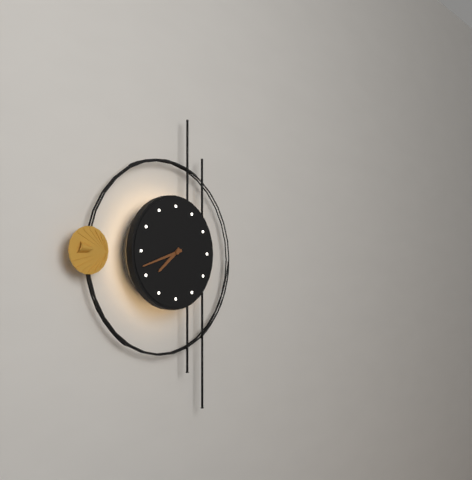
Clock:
7:42
